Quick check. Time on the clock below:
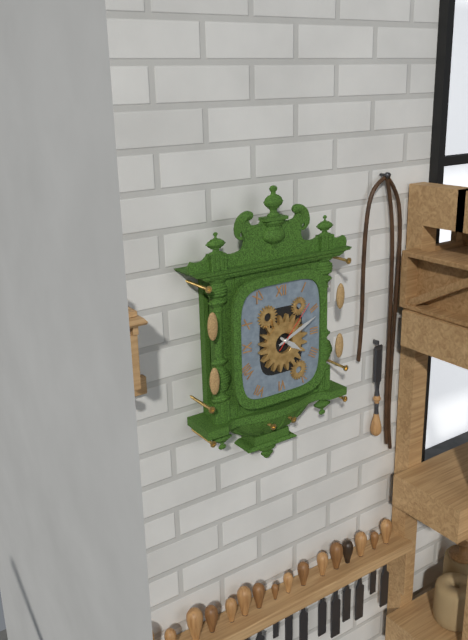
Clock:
4:11:07
